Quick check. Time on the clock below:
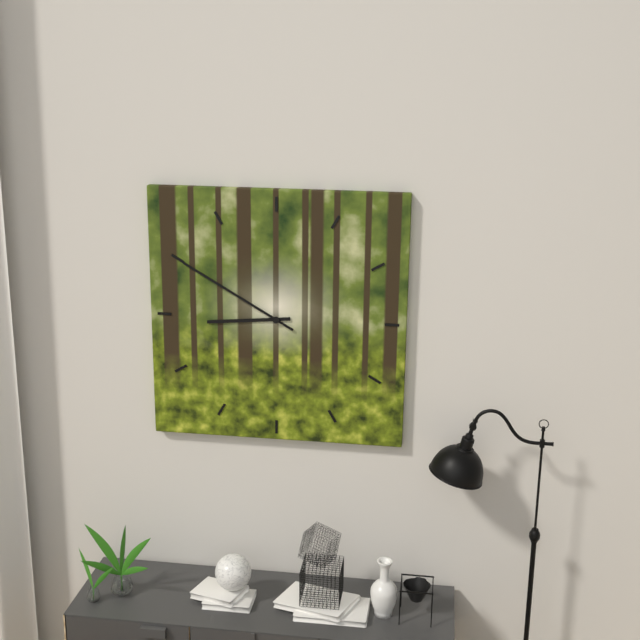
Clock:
8:50
